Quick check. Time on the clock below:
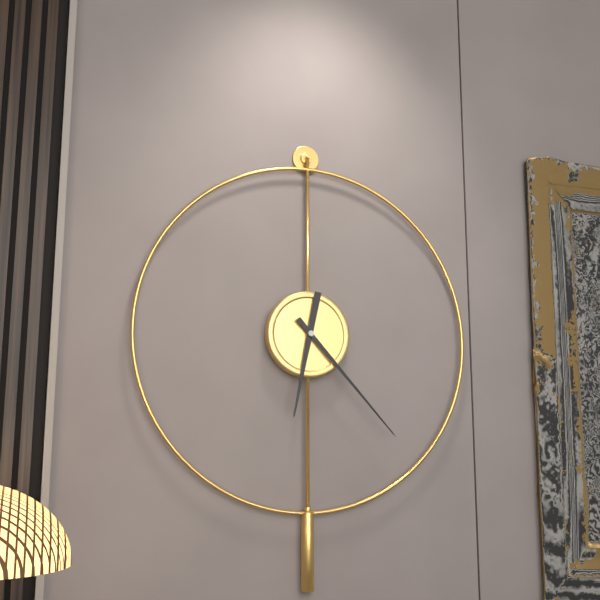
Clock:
6:23
